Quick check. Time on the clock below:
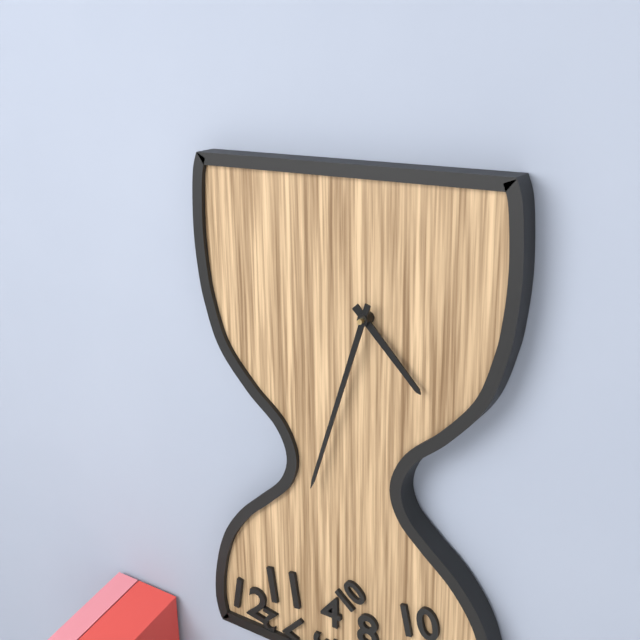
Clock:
4:33
